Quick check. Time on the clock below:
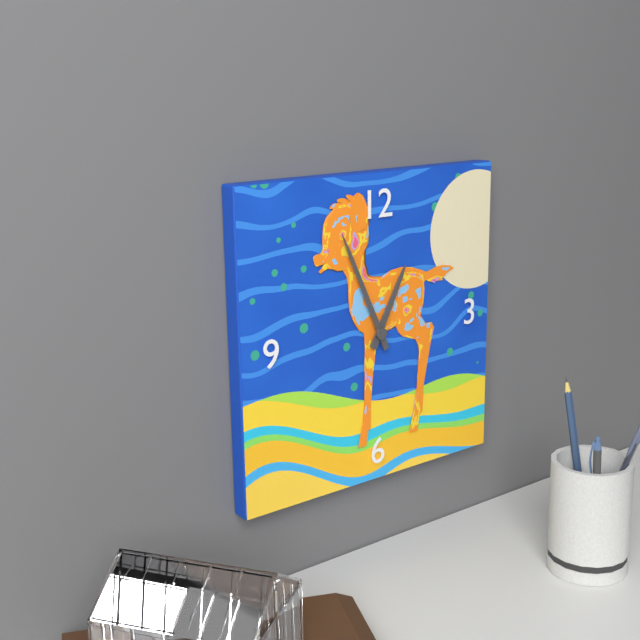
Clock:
12:56
